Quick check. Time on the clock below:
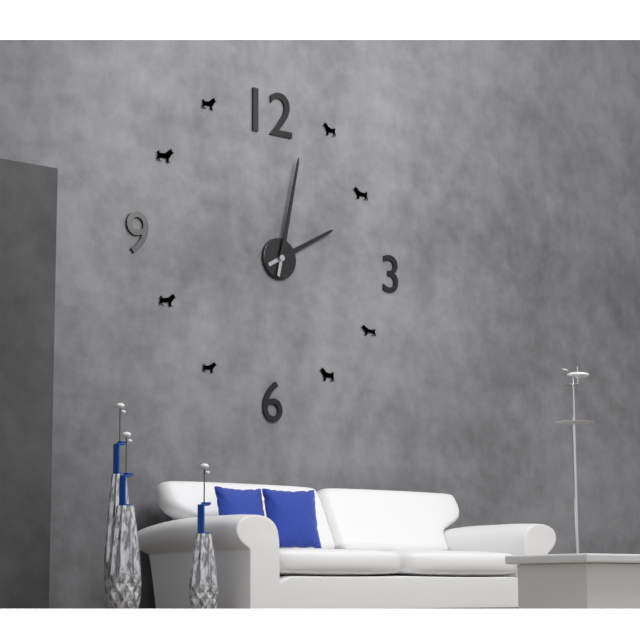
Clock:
2:02
